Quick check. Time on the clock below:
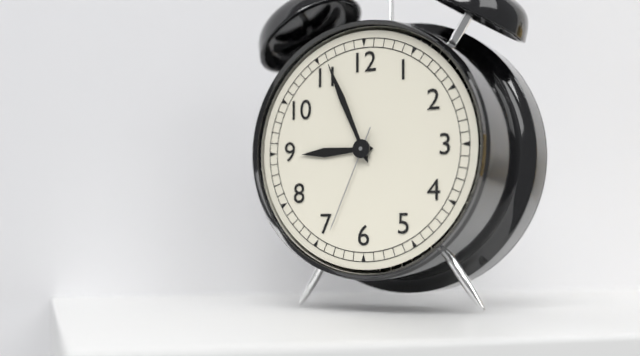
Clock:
8:56:34
